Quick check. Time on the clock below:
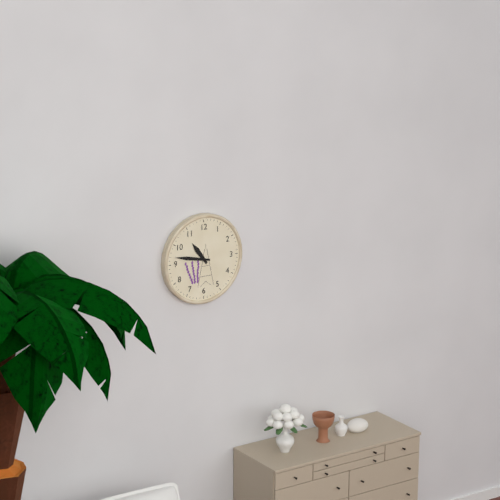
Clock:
10:47
